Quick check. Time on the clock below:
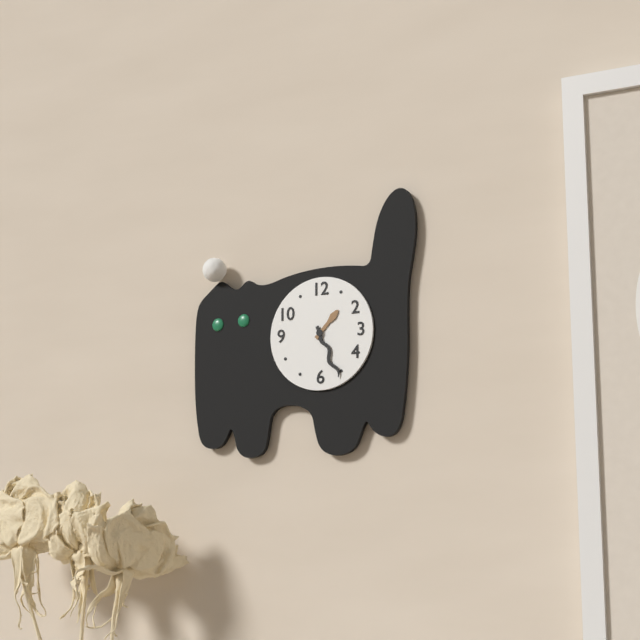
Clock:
1:26
